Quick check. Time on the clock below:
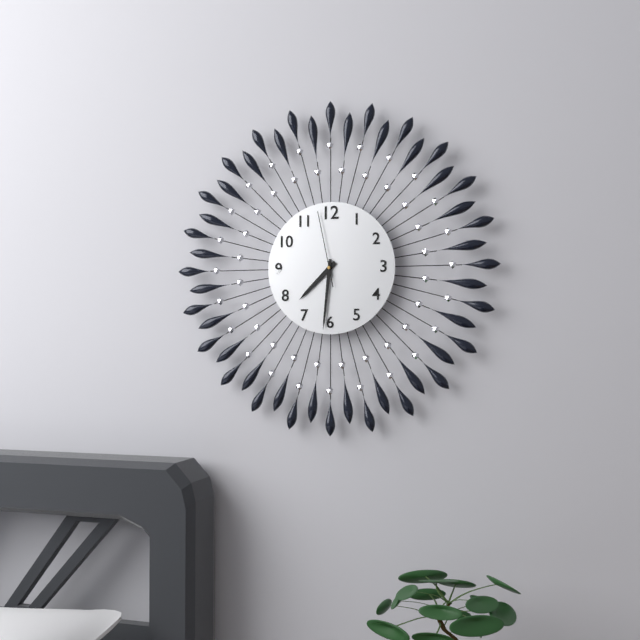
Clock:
7:31:58
